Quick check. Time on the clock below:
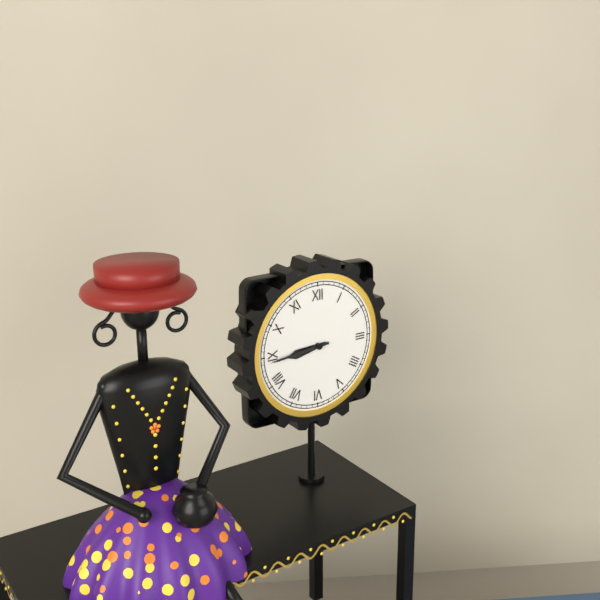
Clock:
8:44
